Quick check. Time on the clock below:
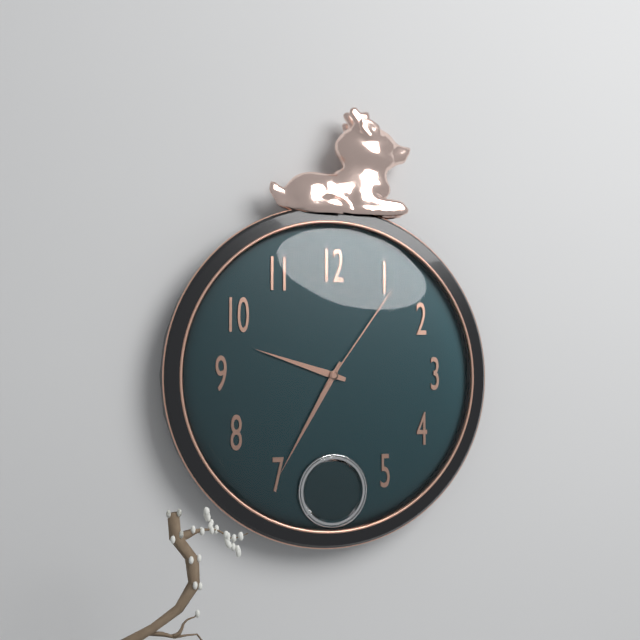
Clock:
9:35:06
